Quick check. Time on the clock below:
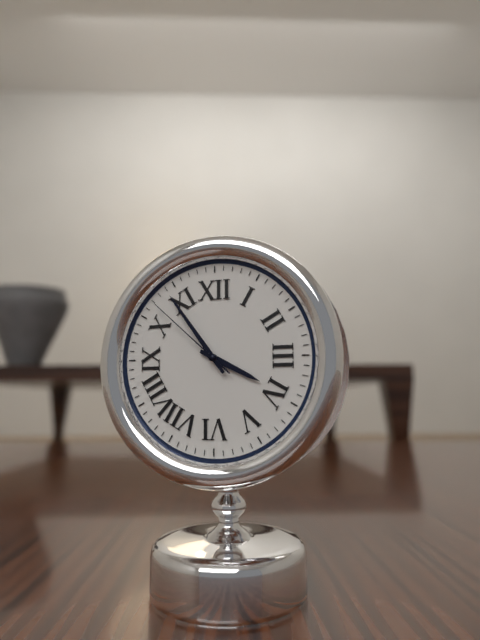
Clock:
3:54:52
